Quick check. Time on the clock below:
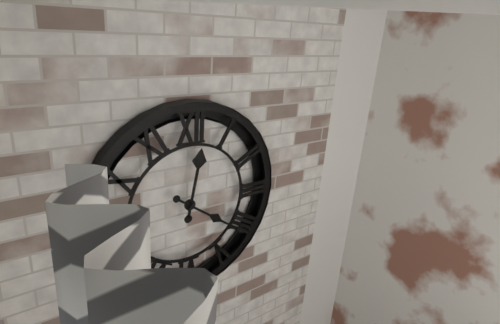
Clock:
12:21
